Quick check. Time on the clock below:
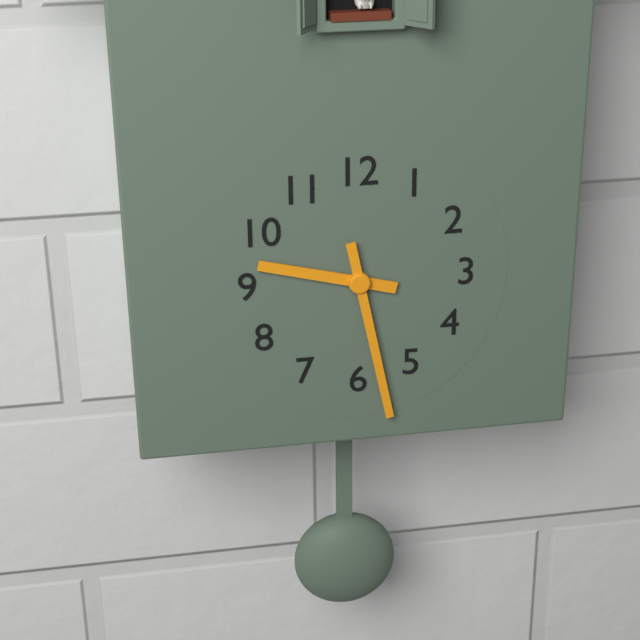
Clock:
9:28
